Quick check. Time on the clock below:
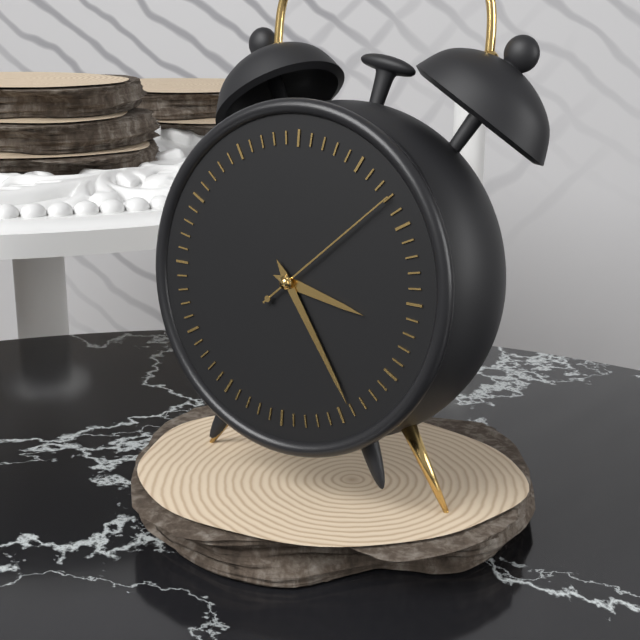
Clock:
3:24:08
